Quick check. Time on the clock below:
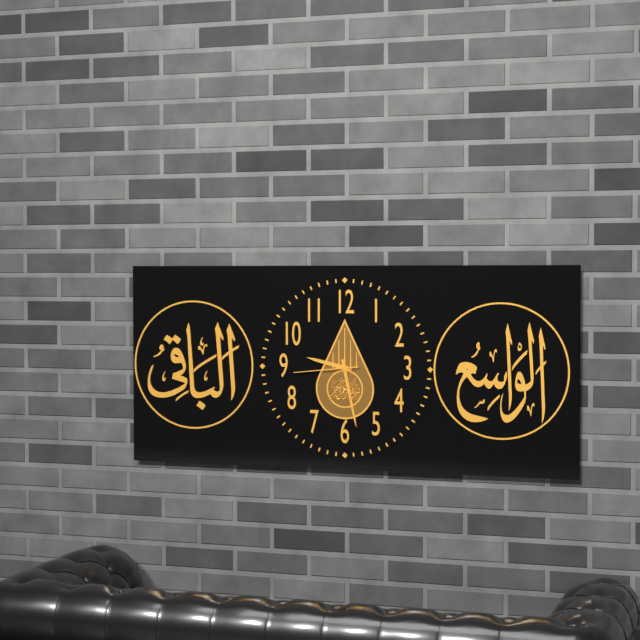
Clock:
9:28:44
